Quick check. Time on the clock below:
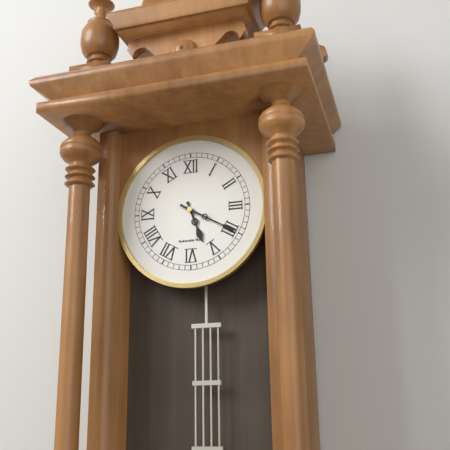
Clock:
5:20
